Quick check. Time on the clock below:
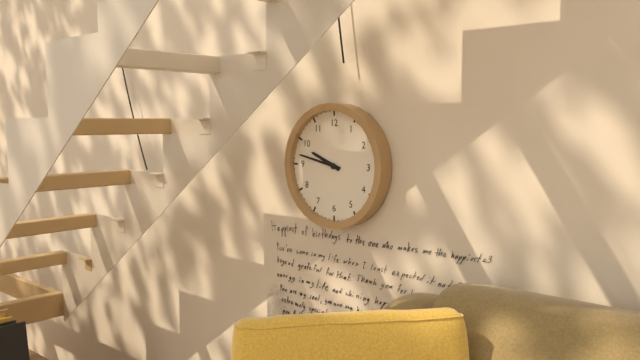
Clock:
9:47
